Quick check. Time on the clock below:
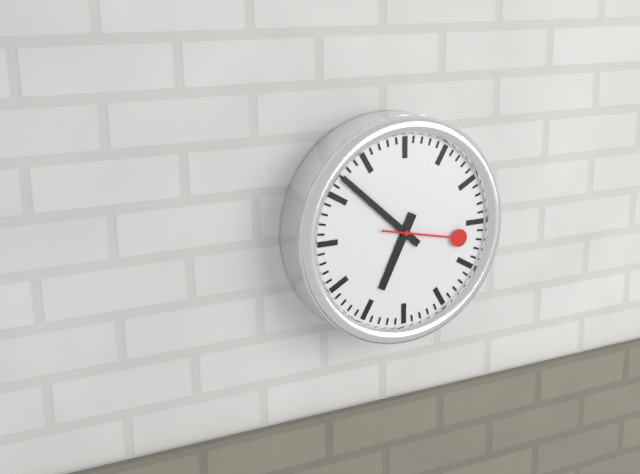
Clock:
6:52:17
